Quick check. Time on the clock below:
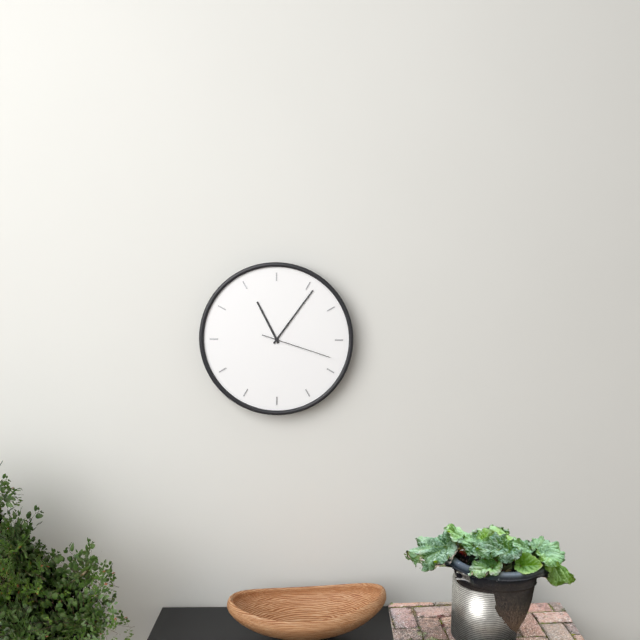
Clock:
11:06:18
